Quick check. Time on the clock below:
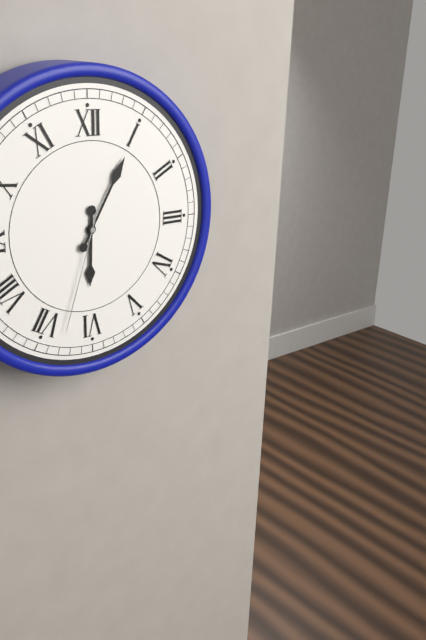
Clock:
6:05:33
